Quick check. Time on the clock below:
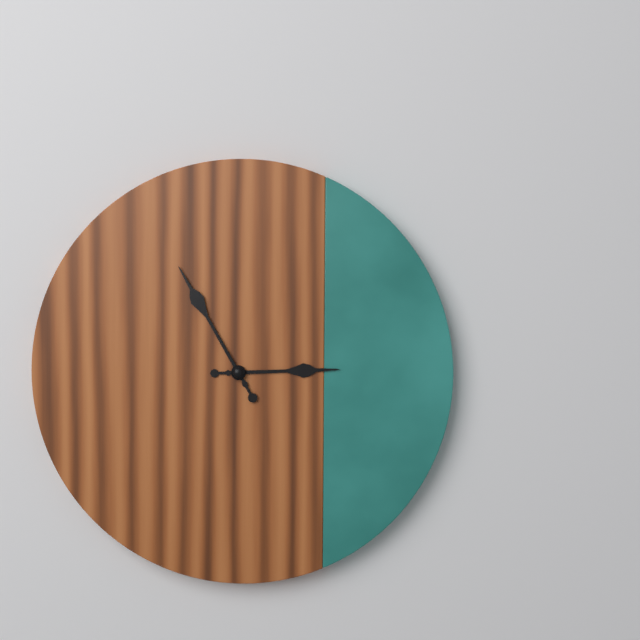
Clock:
2:55
